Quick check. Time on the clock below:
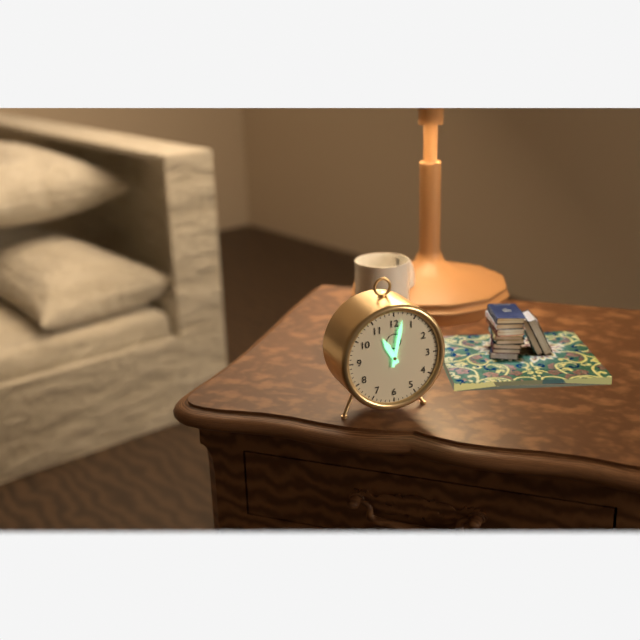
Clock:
11:02
